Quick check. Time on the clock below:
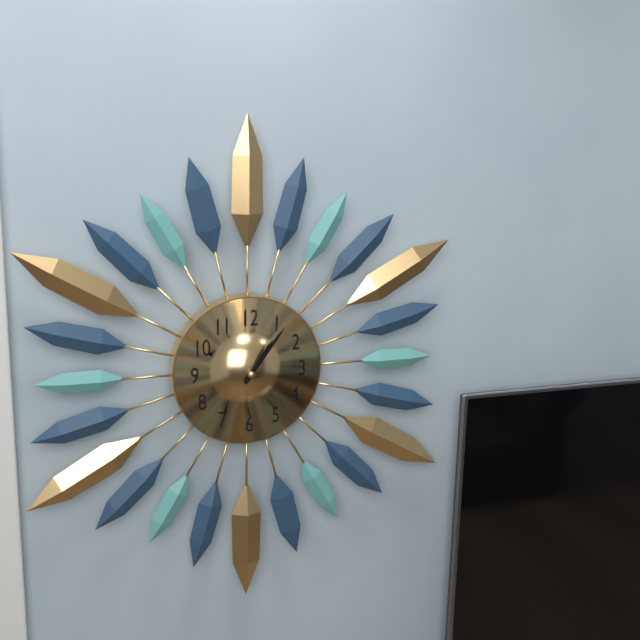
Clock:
1:06
